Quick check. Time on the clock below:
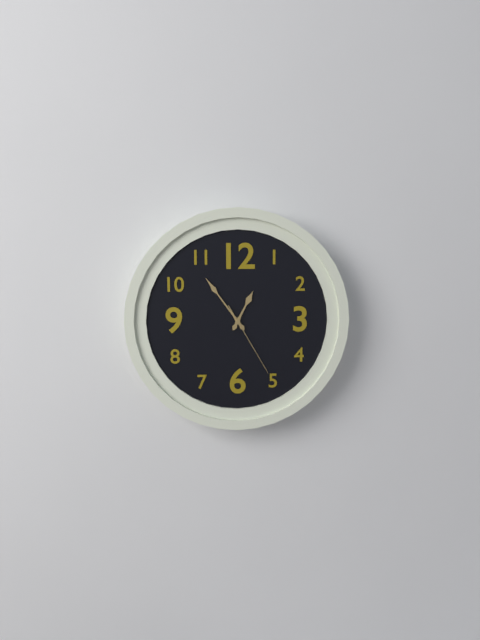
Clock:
12:54:25
